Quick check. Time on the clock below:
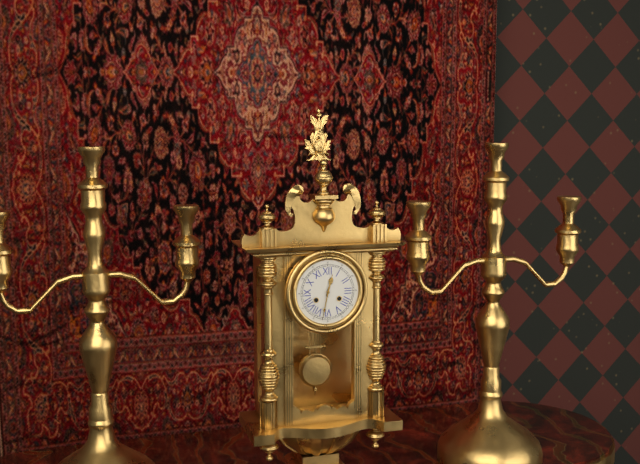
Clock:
12:32
